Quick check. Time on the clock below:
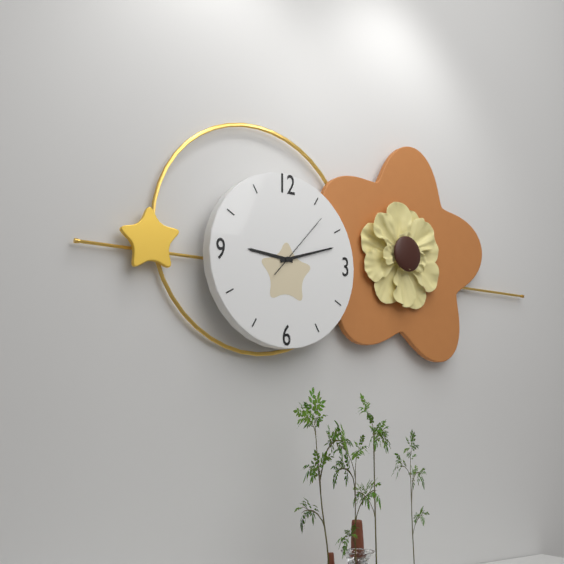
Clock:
9:12:07
